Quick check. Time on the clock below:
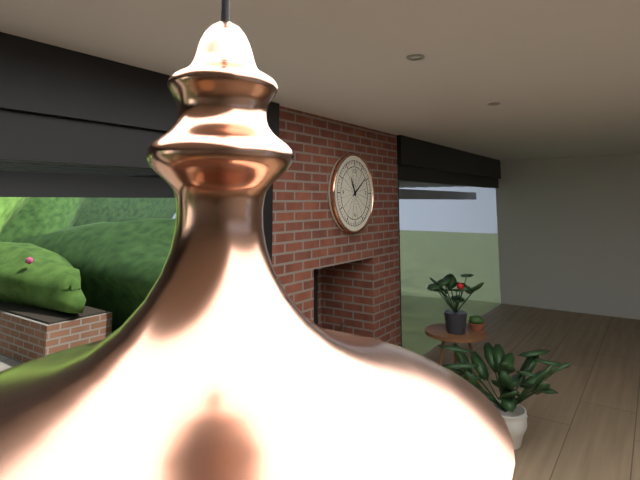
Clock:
11:09
